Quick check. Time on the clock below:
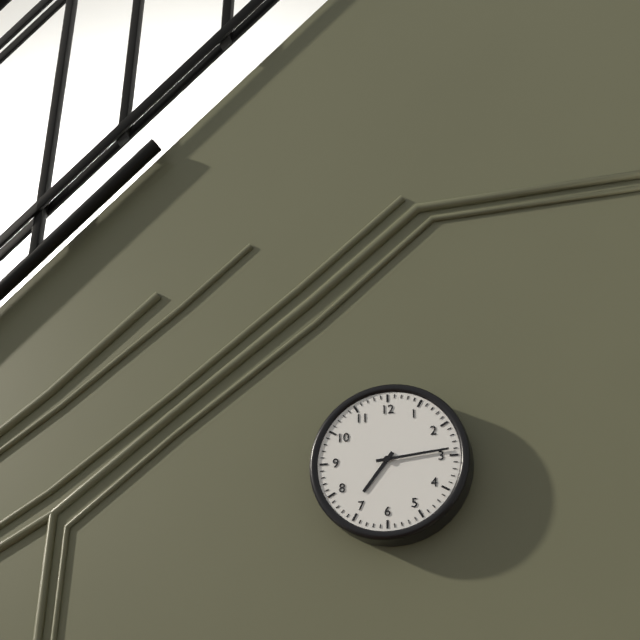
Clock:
7:14
